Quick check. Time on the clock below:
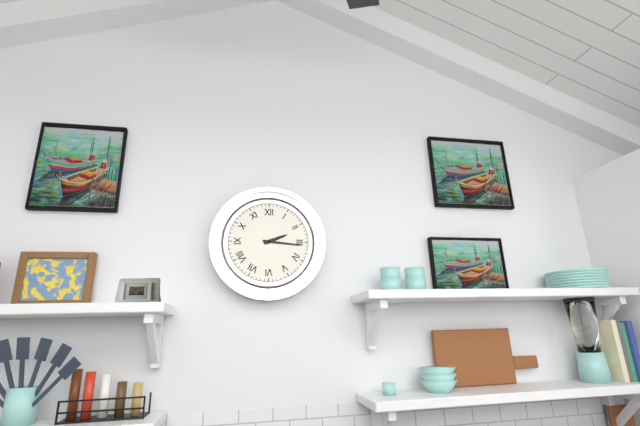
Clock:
2:16
